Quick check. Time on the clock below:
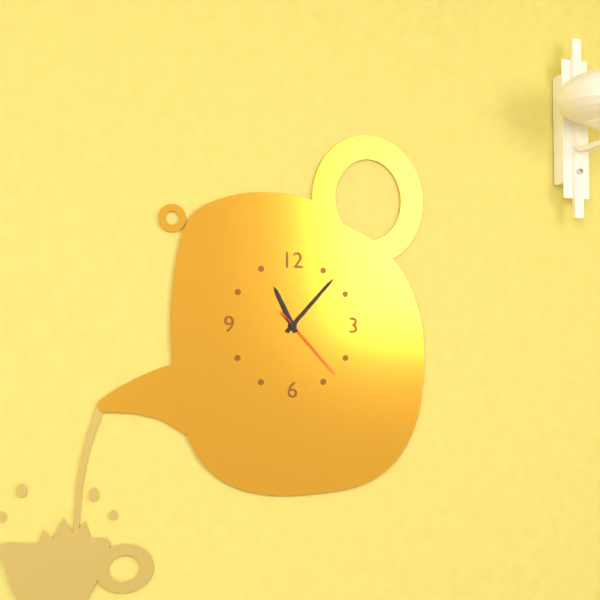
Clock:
11:07:23
